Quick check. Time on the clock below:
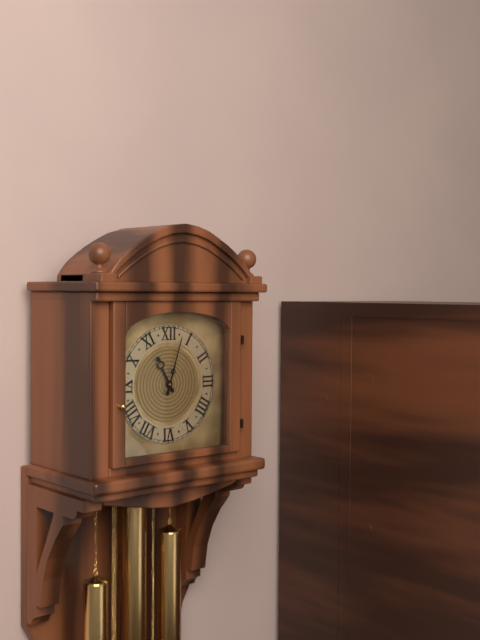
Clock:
11:03
